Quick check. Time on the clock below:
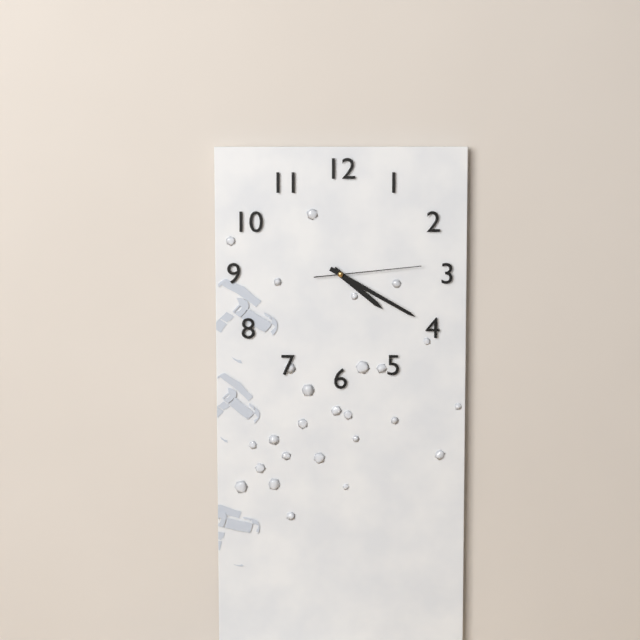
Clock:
4:20:14
